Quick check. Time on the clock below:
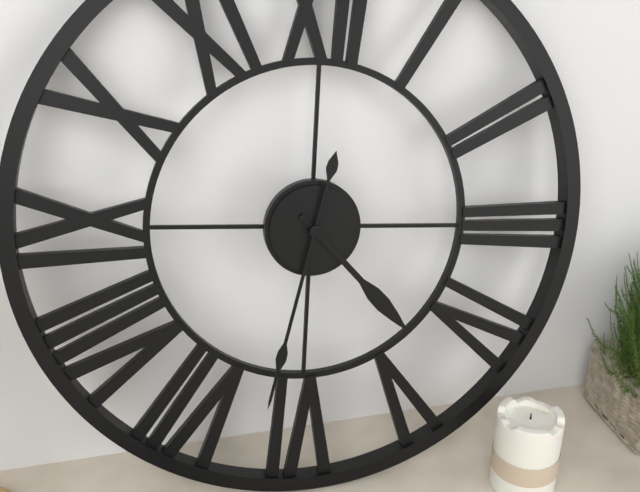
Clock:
4:32
